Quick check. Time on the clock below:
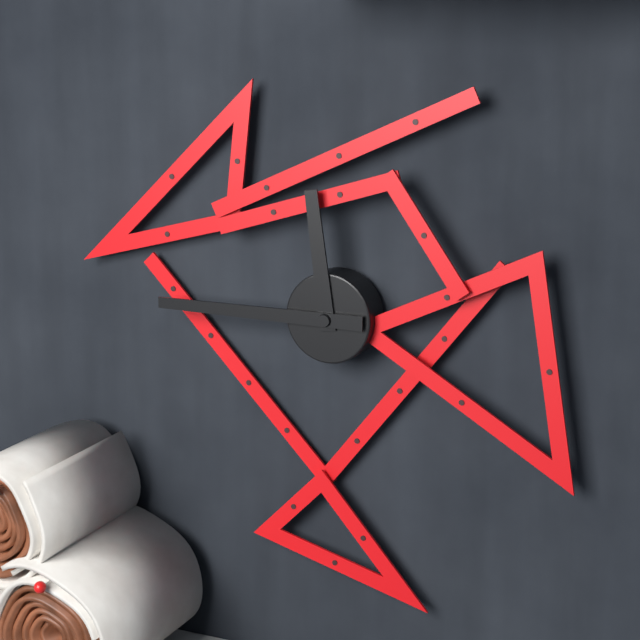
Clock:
11:45
